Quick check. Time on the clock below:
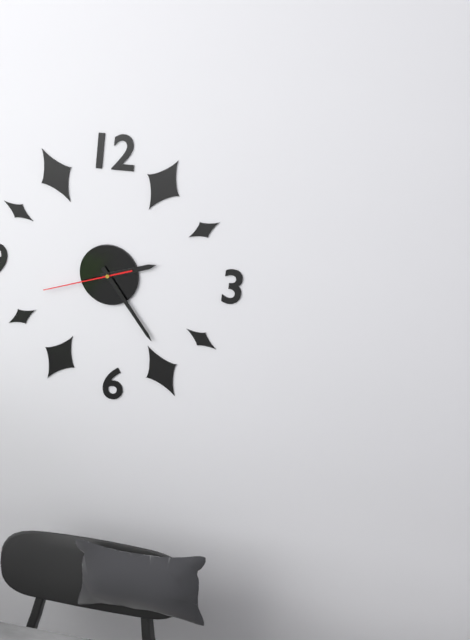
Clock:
2:24:42
